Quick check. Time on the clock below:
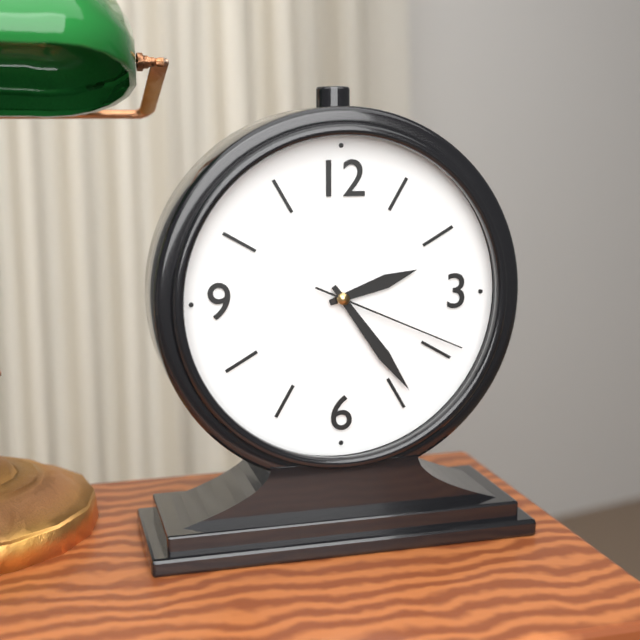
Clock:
2:24:19
